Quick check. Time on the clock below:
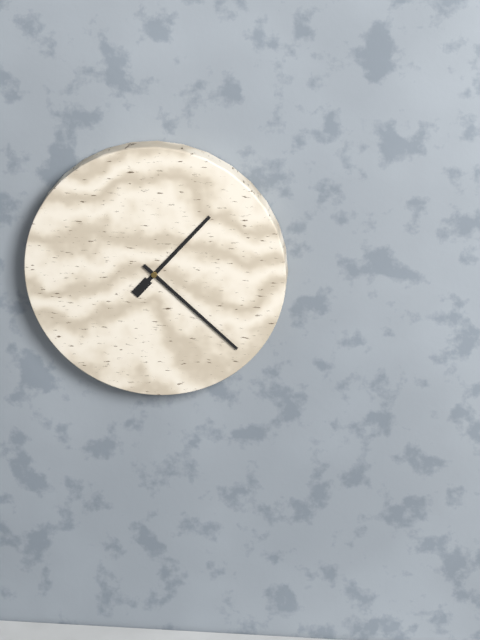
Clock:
1:22
